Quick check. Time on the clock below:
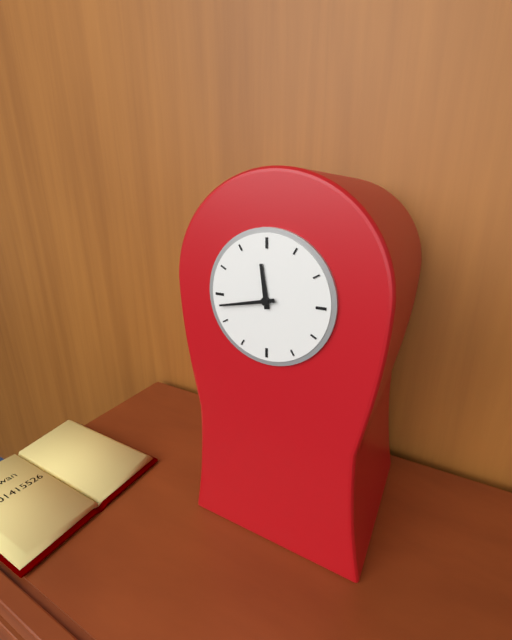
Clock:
11:43
